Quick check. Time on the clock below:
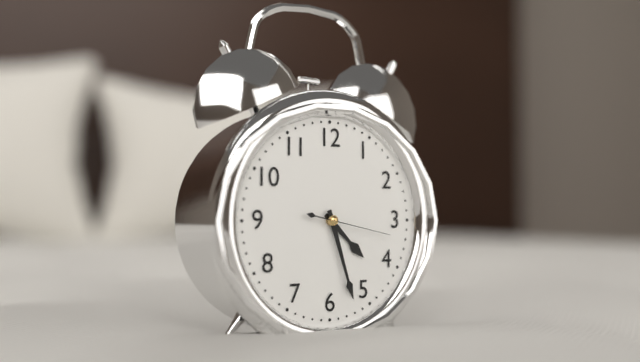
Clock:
4:27:17
